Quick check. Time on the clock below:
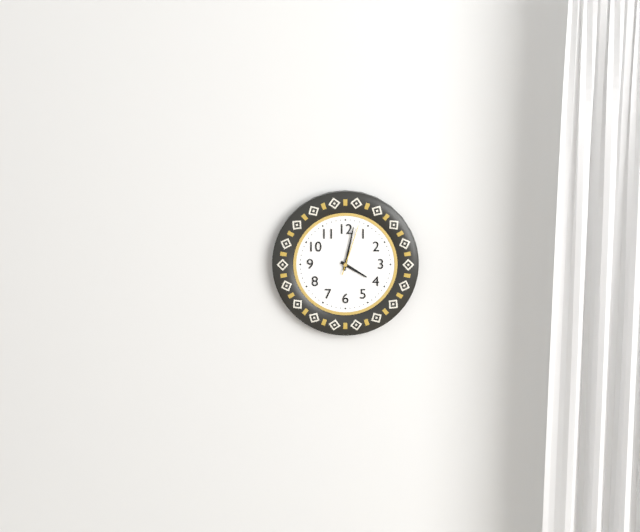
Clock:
4:02:03
